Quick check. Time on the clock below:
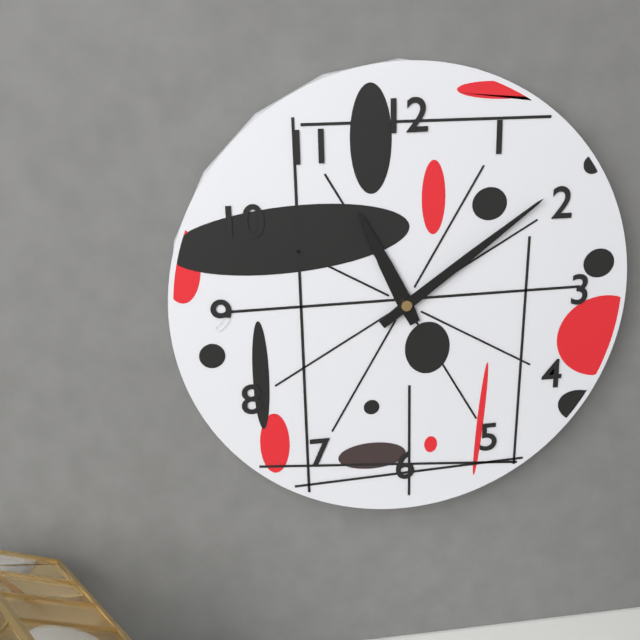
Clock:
11:09
